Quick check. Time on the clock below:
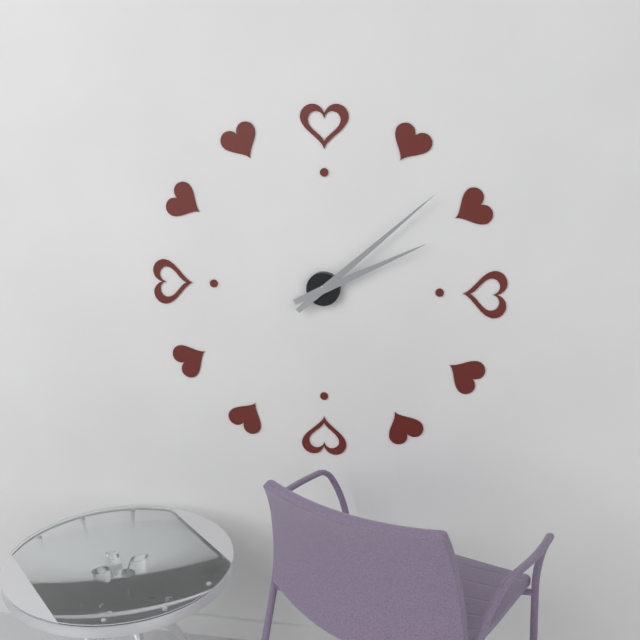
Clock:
2:08
